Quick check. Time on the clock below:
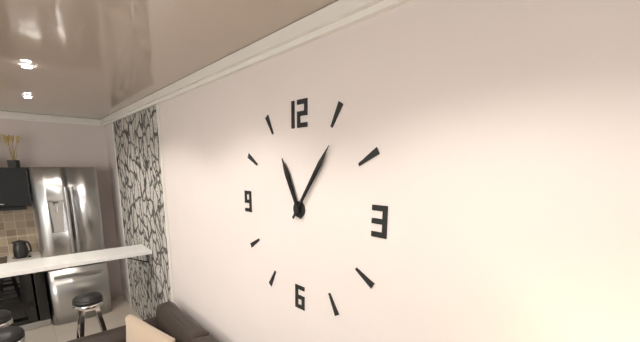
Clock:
11:06
